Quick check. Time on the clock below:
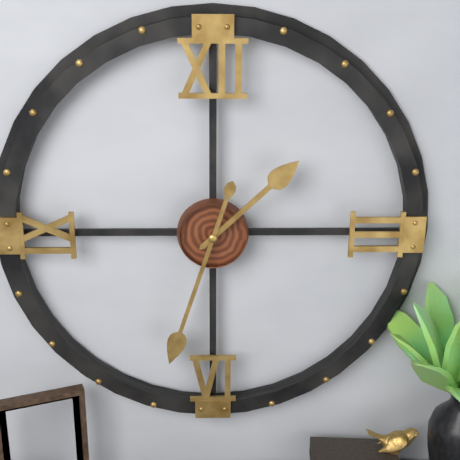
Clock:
1:33
